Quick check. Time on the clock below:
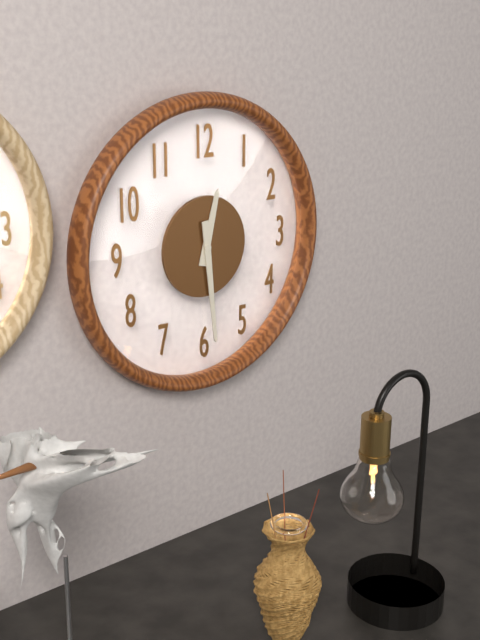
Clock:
12:29
